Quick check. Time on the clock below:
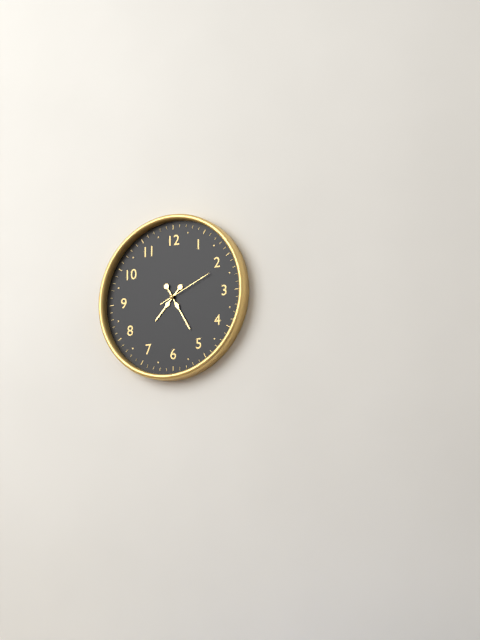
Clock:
7:25:11
